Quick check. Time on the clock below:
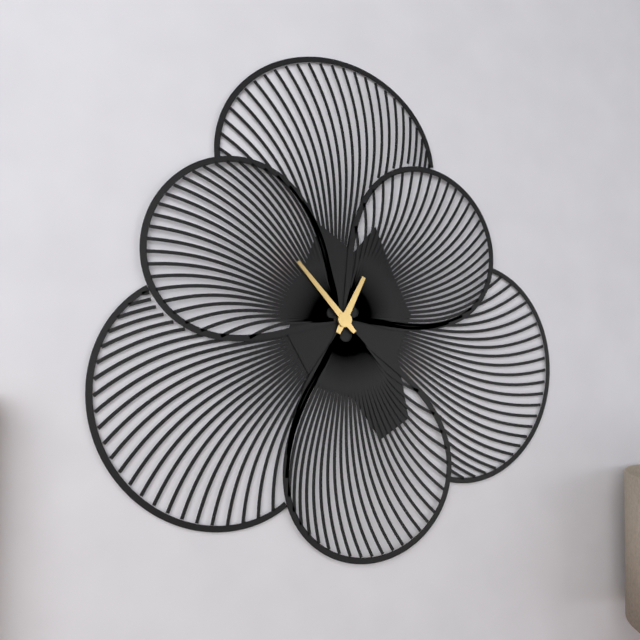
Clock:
12:53
